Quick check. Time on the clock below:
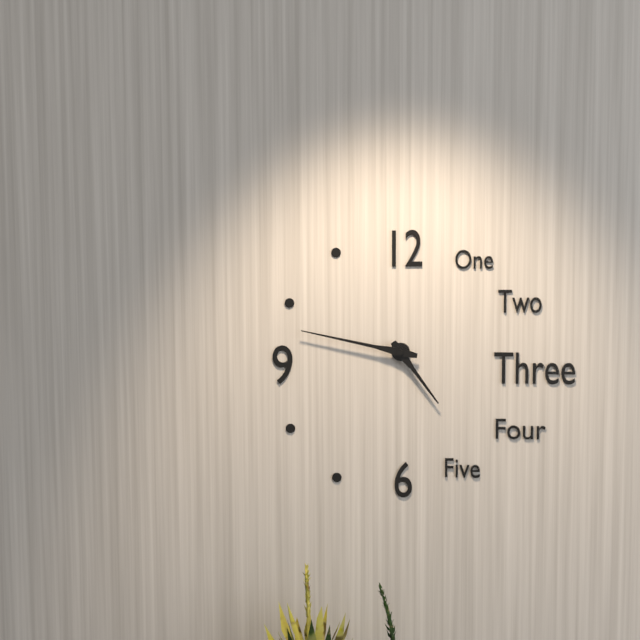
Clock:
4:47
